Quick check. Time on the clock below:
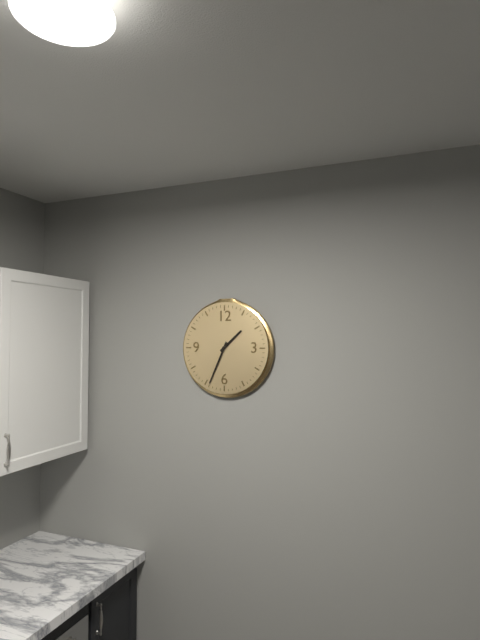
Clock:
1:34
